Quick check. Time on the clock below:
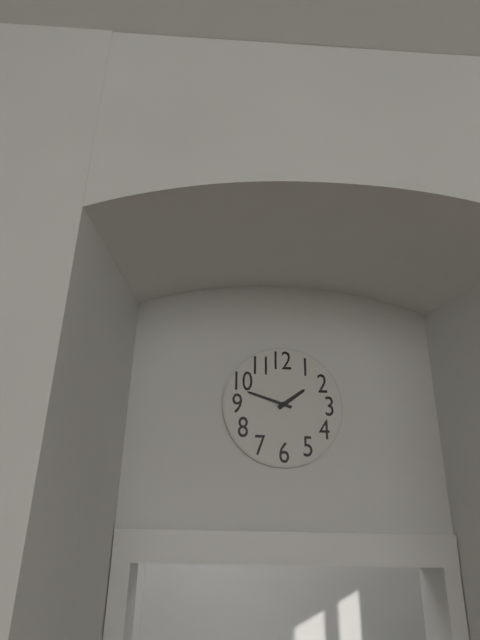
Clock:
1:48
